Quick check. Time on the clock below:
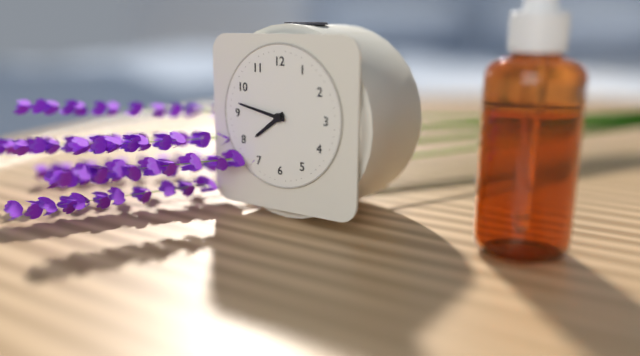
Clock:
7:47
